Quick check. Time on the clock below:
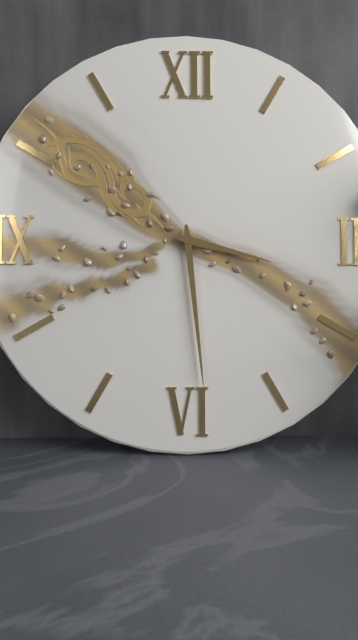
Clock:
3:29
